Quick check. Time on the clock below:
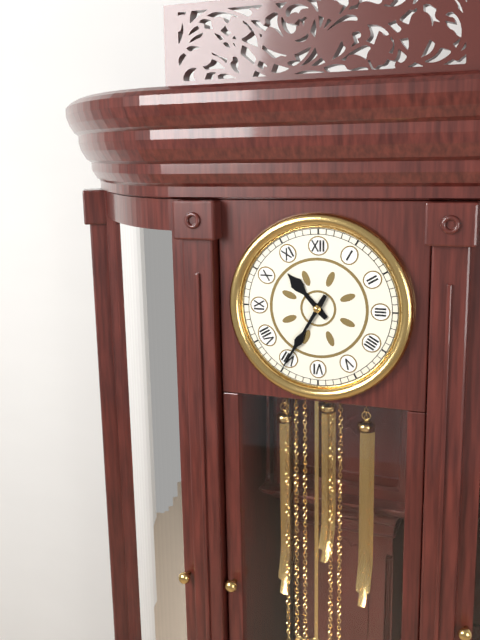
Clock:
10:35
